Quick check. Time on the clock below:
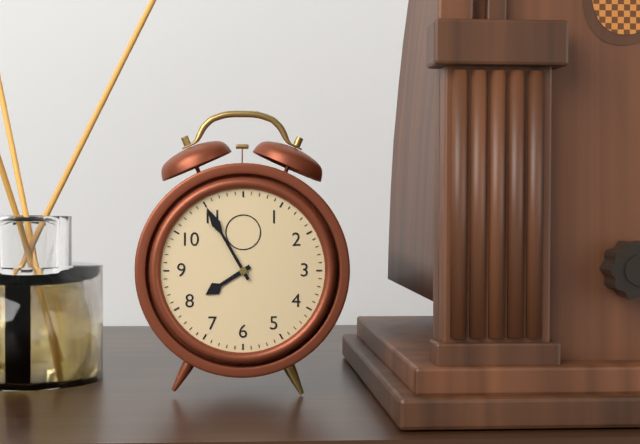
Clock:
7:55
